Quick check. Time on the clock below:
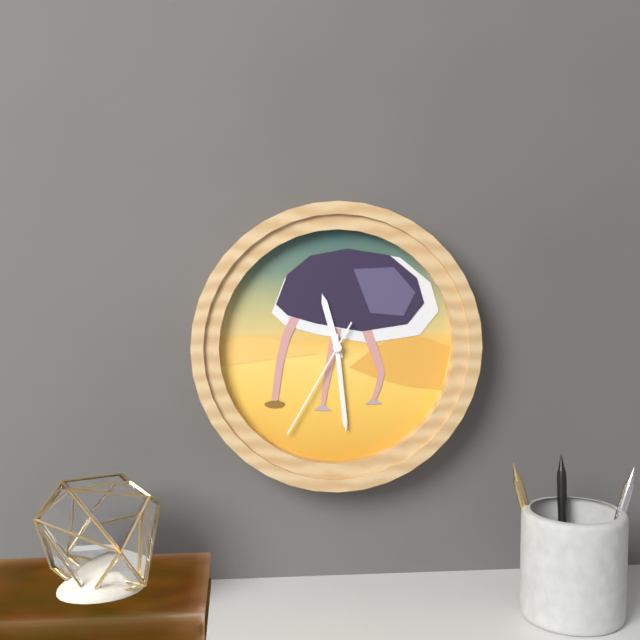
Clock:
11:29:35
